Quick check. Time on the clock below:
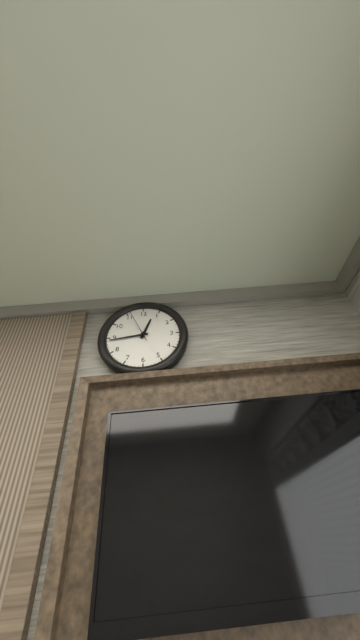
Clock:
12:44
